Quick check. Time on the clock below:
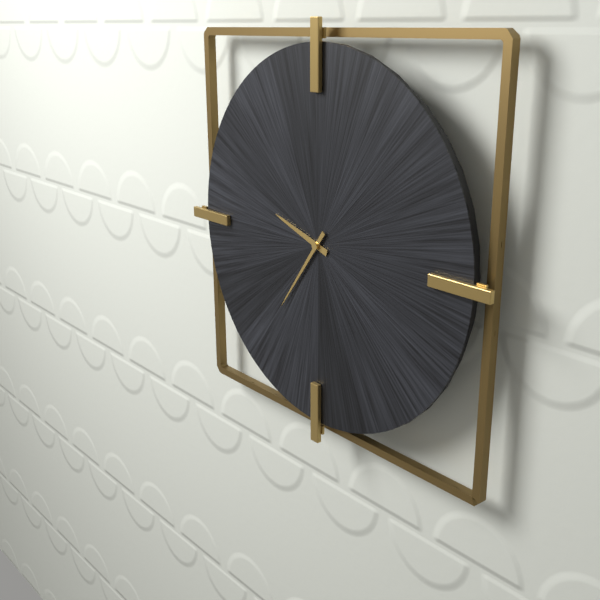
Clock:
9:36
